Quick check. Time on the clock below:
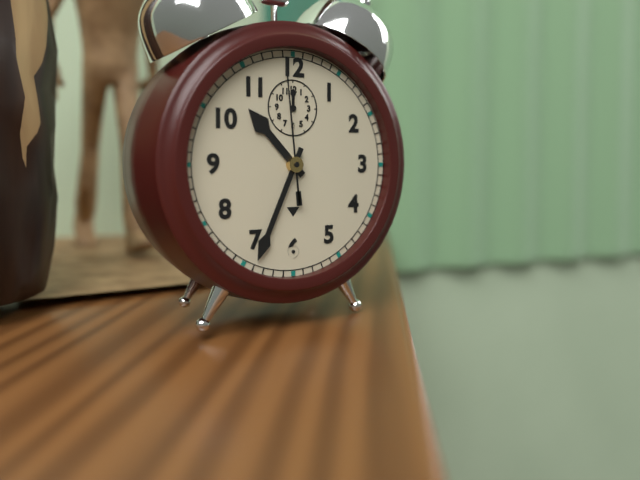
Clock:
10:34:59
